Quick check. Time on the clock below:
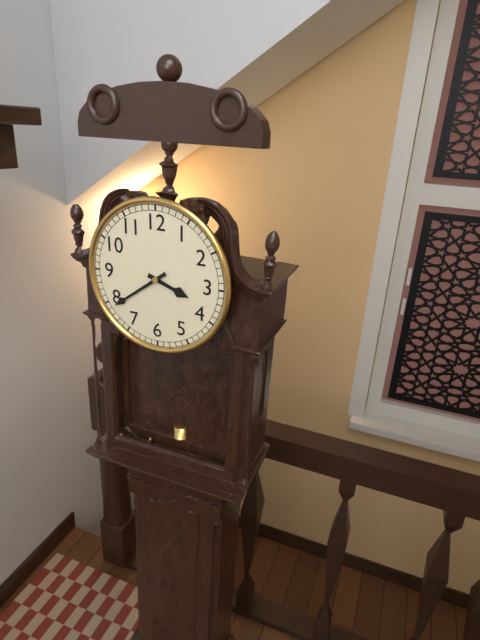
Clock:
3:39
